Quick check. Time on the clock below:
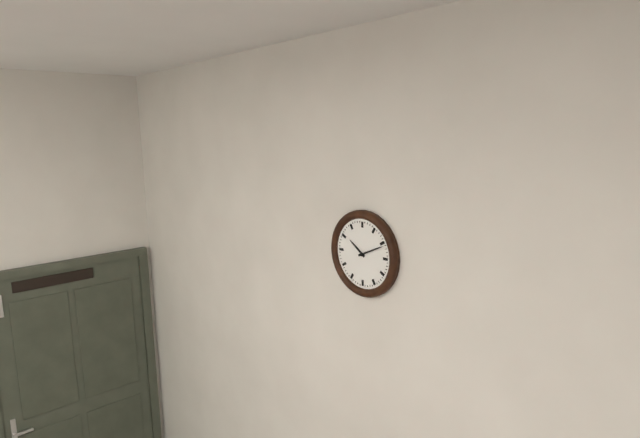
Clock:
10:11
